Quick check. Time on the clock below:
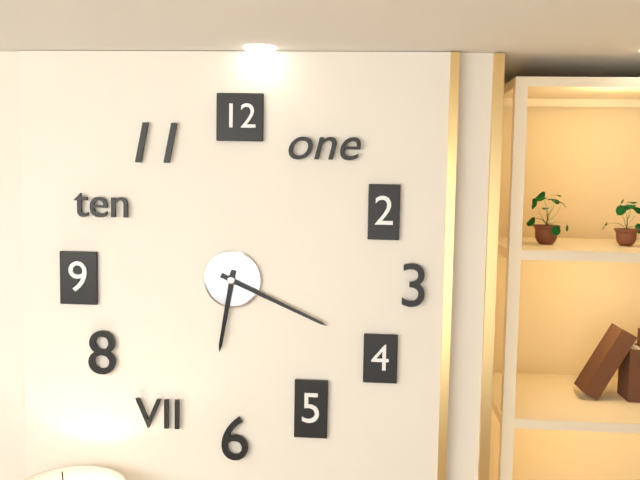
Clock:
6:19
